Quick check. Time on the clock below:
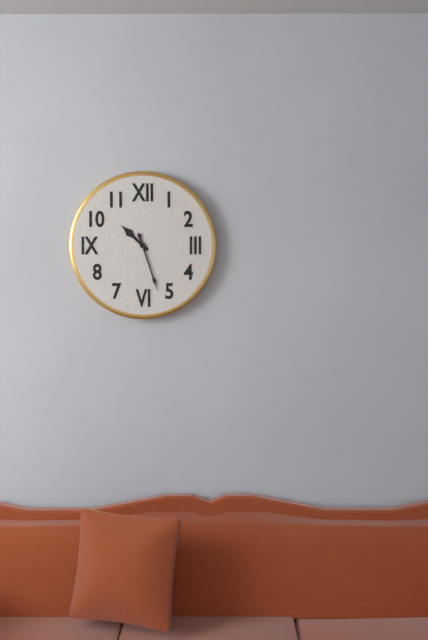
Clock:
10:27
